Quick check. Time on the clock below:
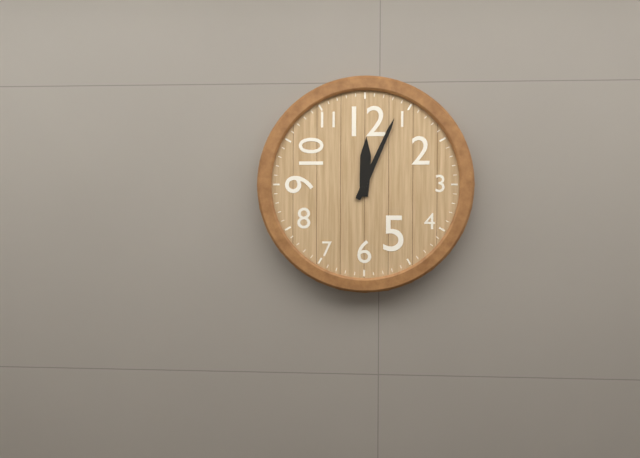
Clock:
12:04
